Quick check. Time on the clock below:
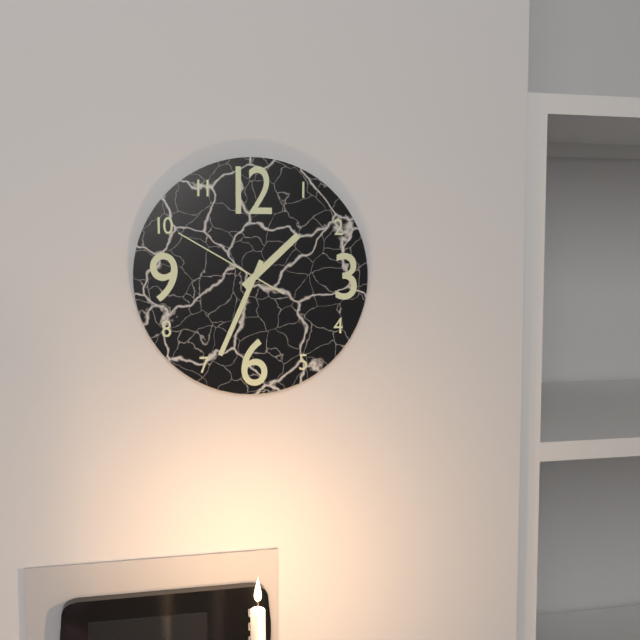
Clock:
1:34:50
